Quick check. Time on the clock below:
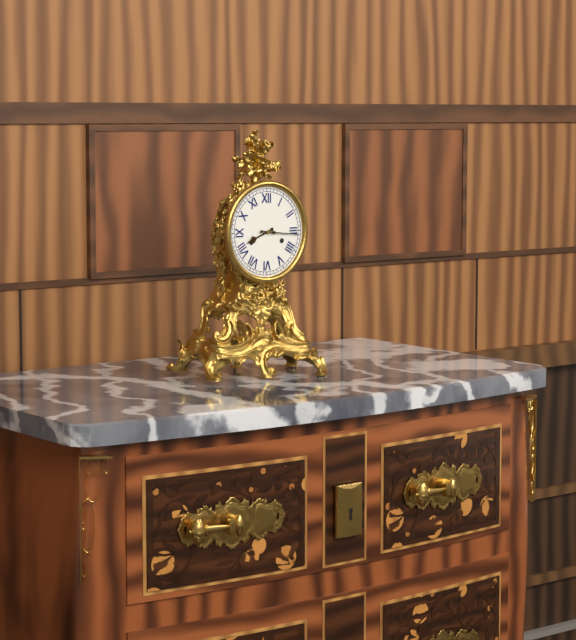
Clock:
8:16
